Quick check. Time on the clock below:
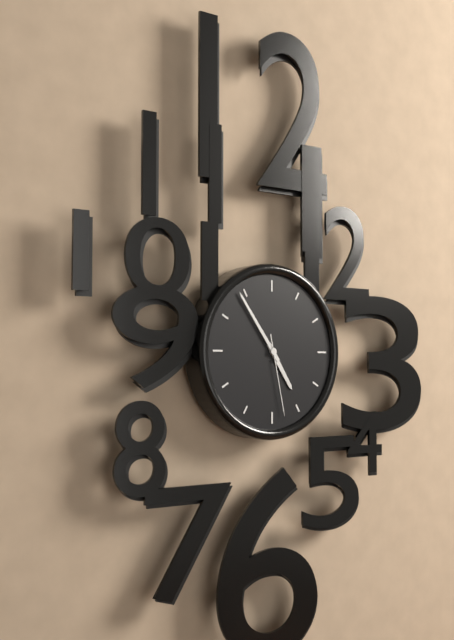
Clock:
4:54:28
